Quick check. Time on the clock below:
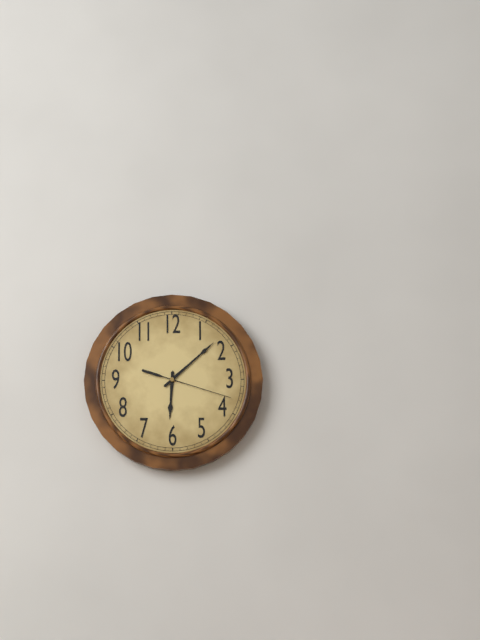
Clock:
6:08:18
